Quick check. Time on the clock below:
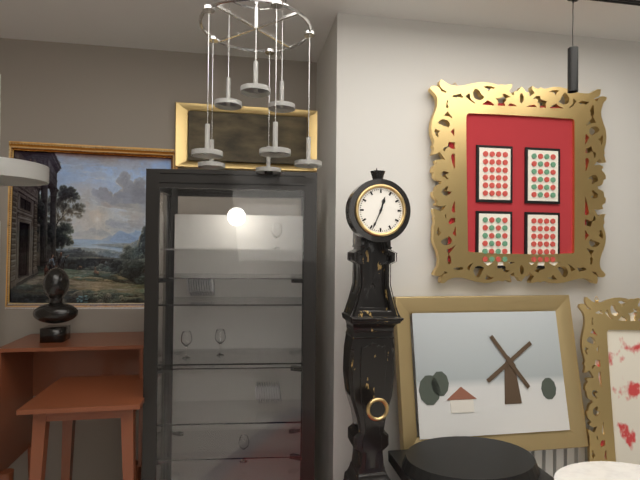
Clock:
12:34
